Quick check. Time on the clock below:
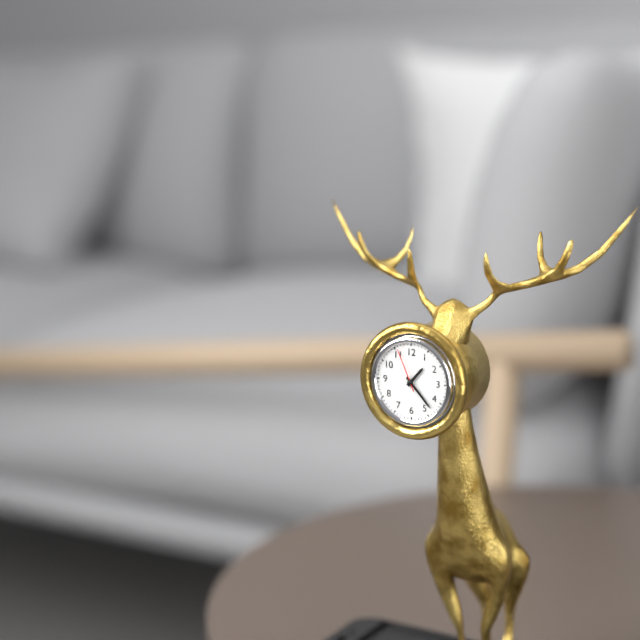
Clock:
1:23
